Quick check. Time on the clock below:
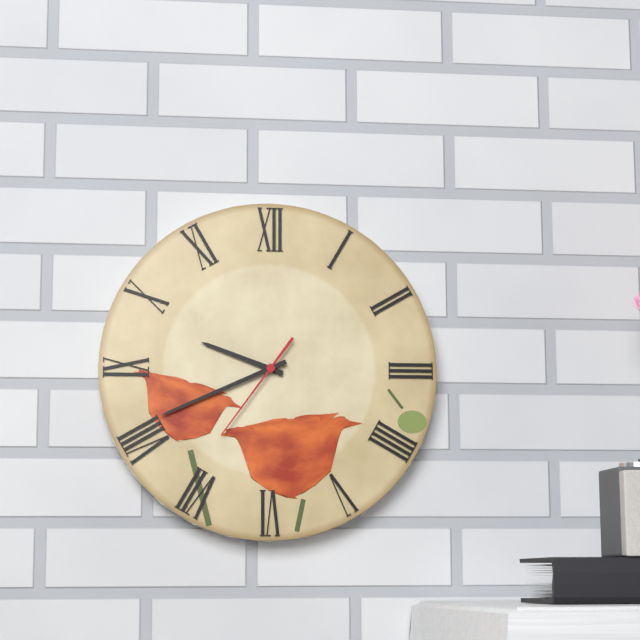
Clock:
9:41:36
